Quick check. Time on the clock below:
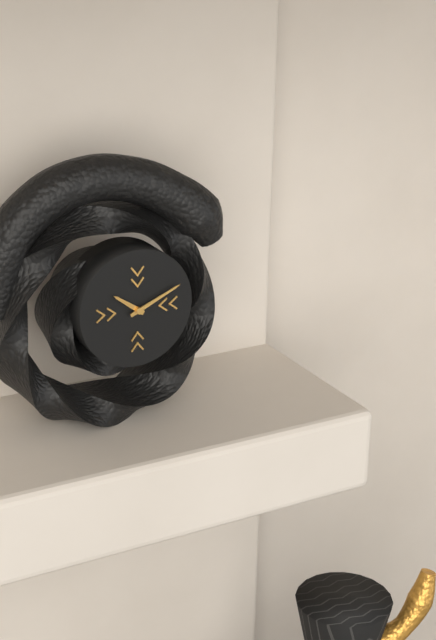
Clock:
10:11
